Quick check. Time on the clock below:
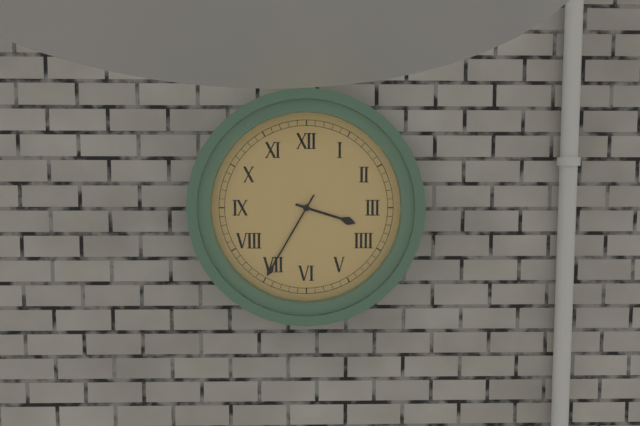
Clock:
3:35
